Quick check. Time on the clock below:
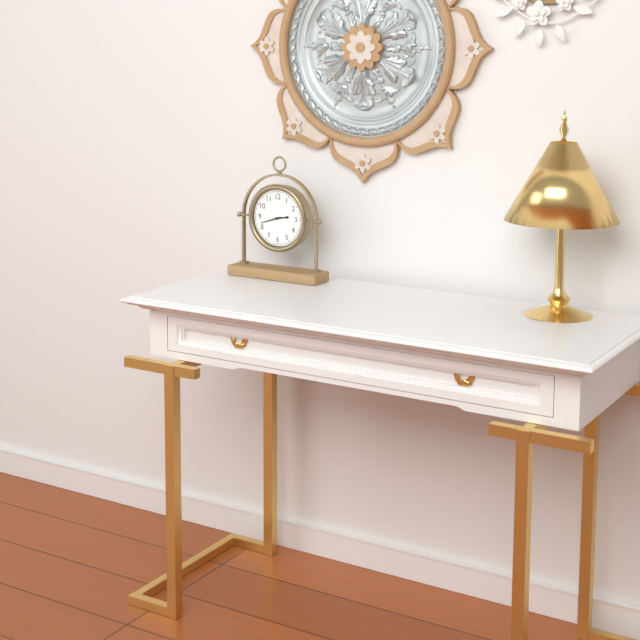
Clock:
2:42
